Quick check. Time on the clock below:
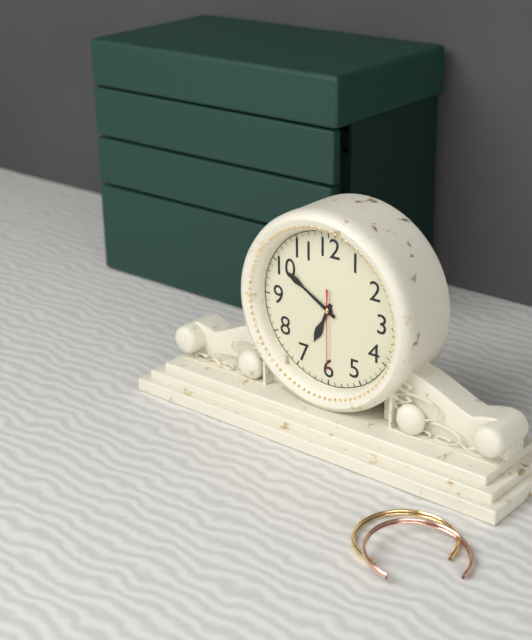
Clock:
6:50:30
